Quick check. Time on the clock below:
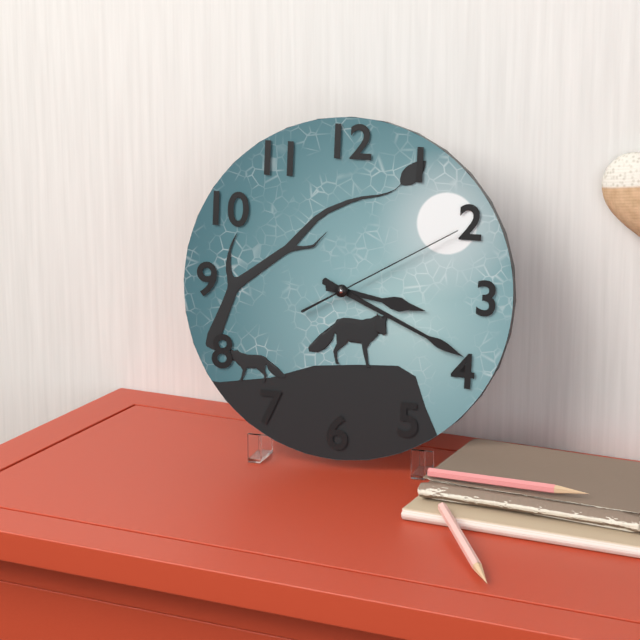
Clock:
3:19:10
